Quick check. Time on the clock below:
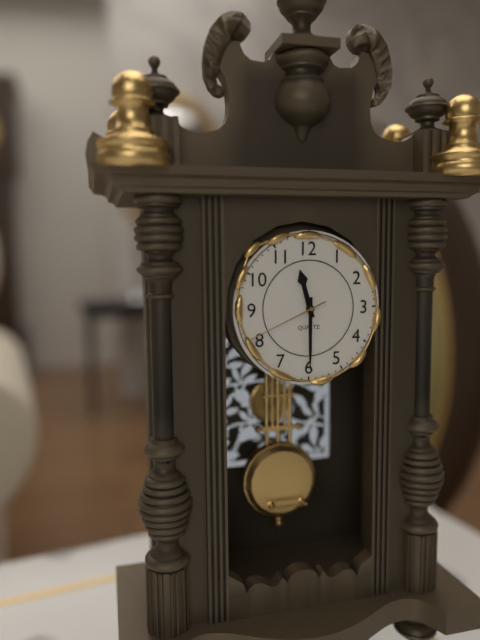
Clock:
11:30:41
